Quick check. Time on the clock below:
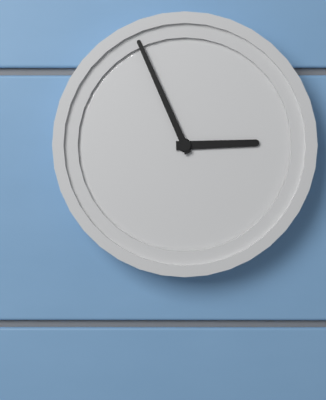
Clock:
2:56
